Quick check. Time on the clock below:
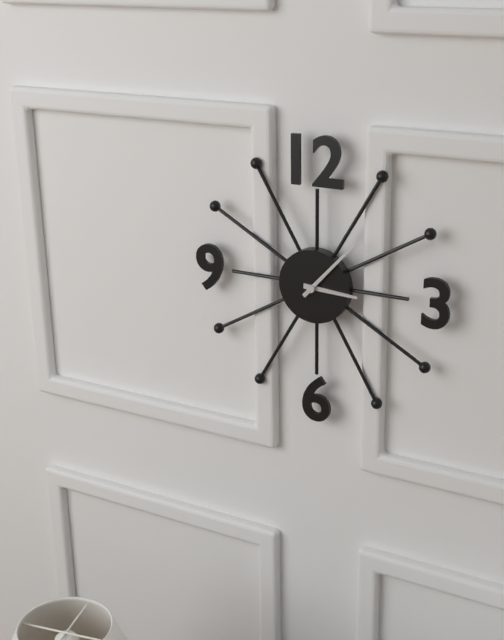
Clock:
3:07
